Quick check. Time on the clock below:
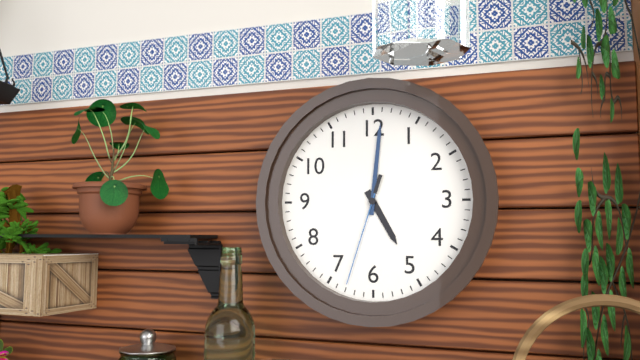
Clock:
5:01:33
